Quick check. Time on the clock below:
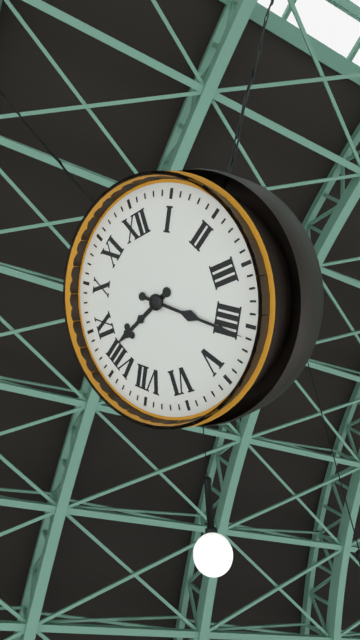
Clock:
8:21
